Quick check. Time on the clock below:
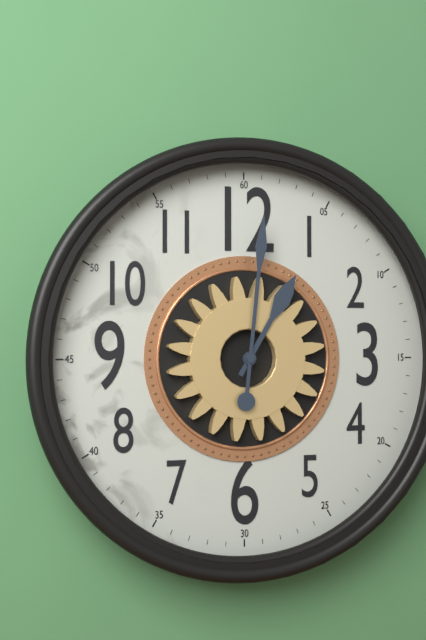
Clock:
1:01
